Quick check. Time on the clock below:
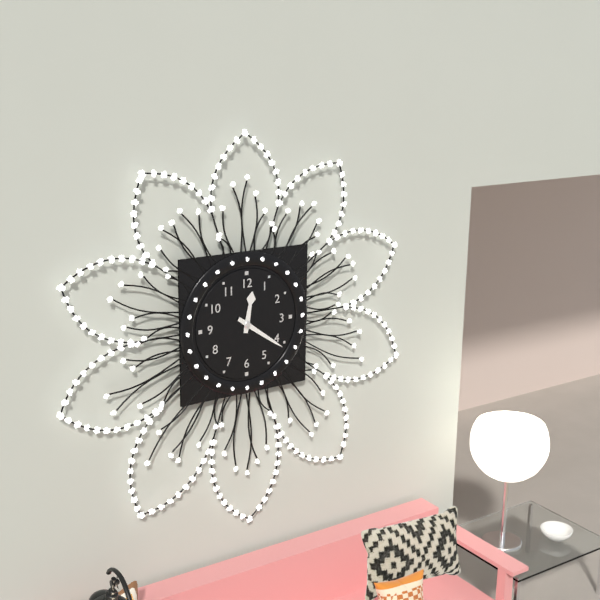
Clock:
12:21
